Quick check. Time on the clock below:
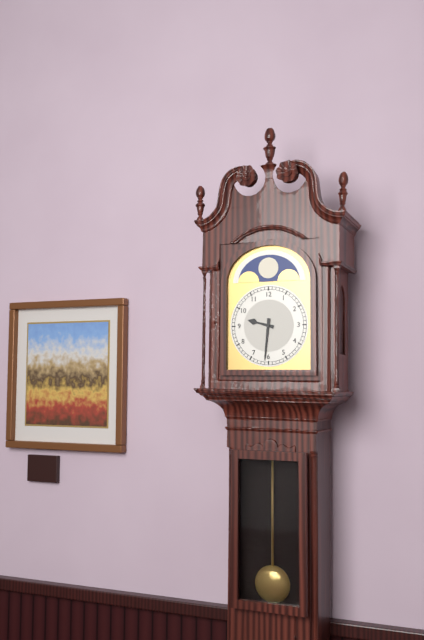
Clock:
9:31
